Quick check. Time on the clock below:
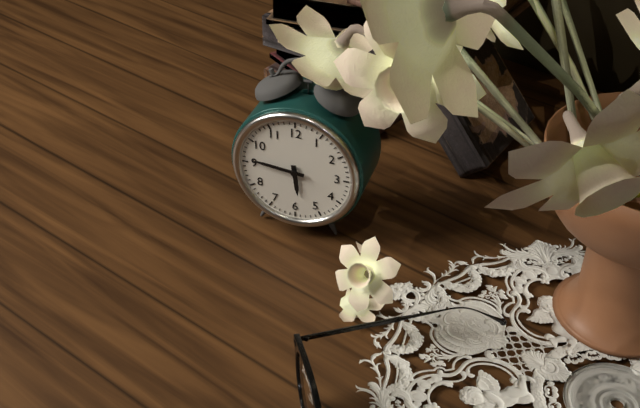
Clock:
5:46
